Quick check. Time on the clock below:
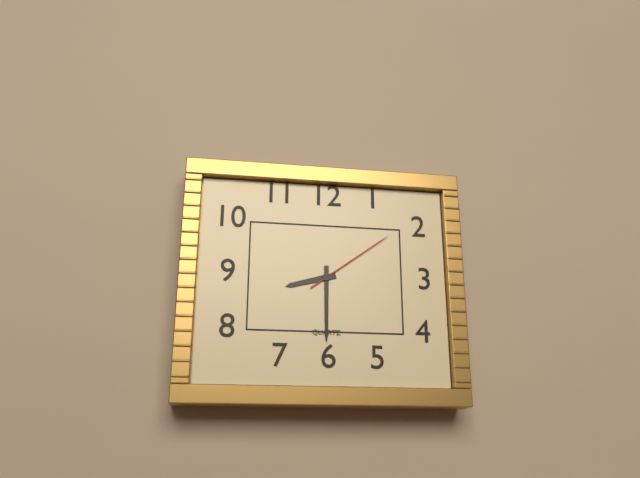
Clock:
8:30:09
